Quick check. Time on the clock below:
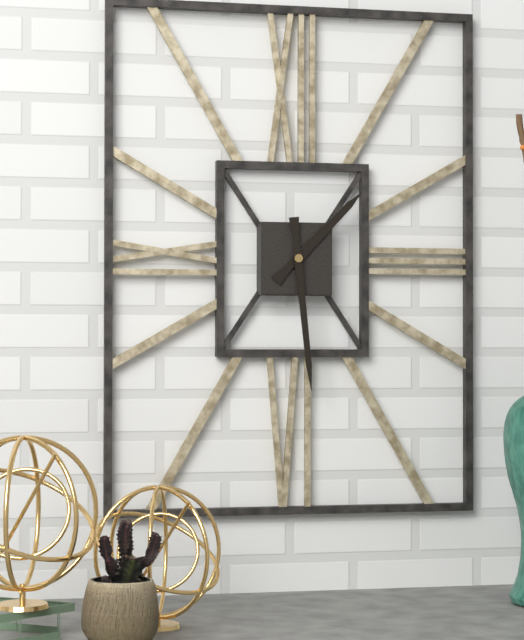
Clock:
1:29
